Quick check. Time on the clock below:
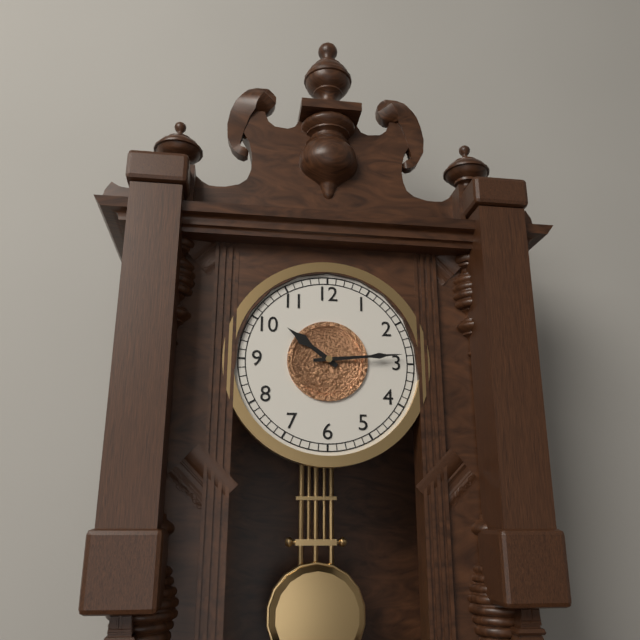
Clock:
10:14
